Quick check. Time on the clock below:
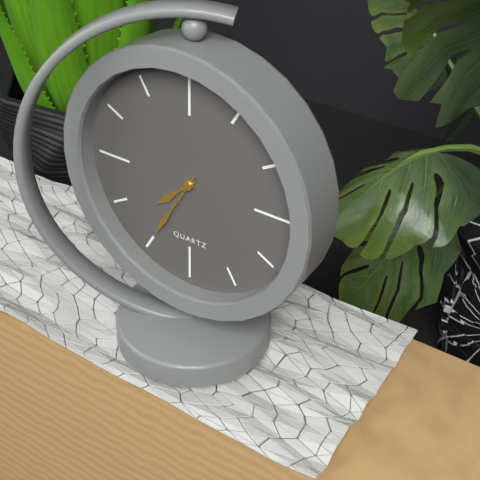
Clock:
7:35
